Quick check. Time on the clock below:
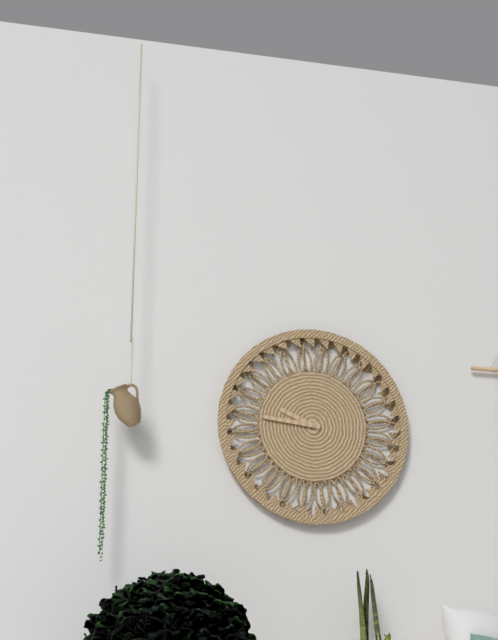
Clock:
9:46
